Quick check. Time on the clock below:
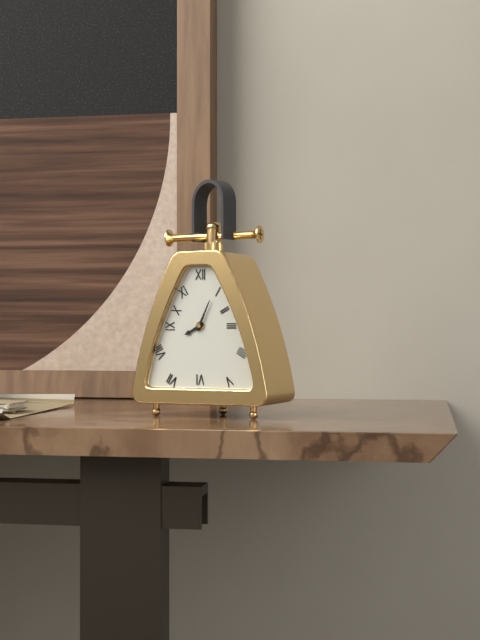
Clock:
8:04
